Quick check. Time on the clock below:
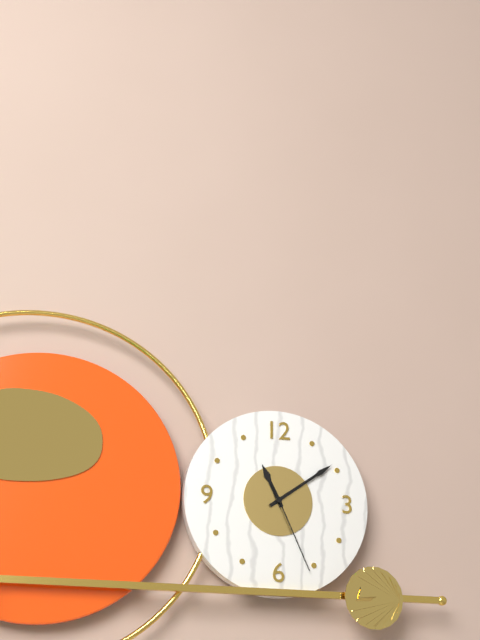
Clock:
11:09:26
